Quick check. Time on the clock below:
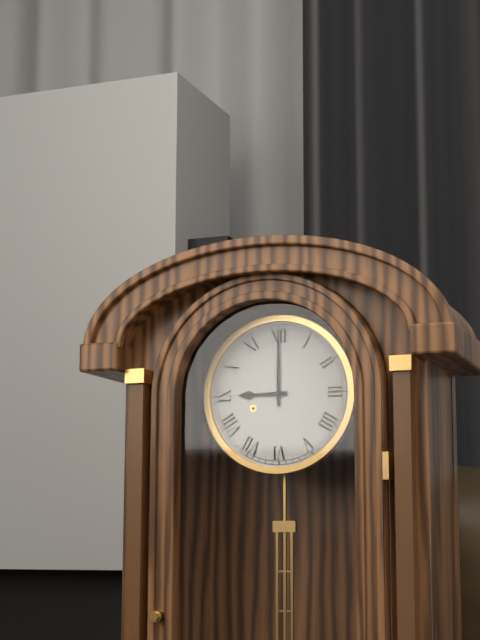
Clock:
9:00
